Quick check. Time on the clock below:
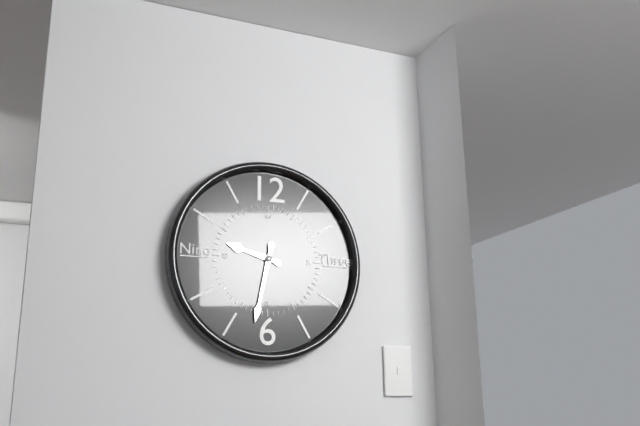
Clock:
9:32
